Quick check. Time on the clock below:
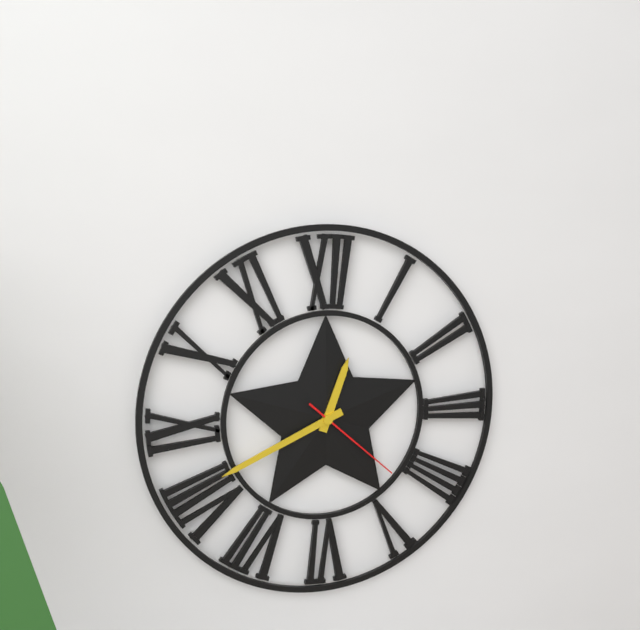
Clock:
12:41:22
